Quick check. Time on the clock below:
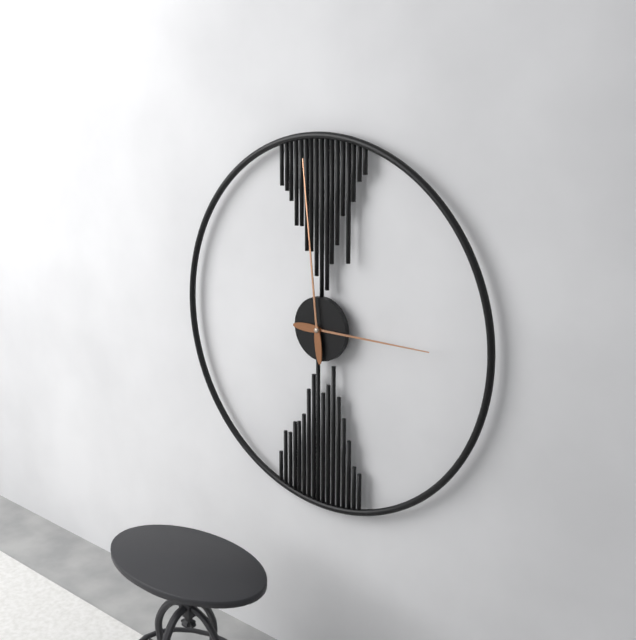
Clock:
2:59
